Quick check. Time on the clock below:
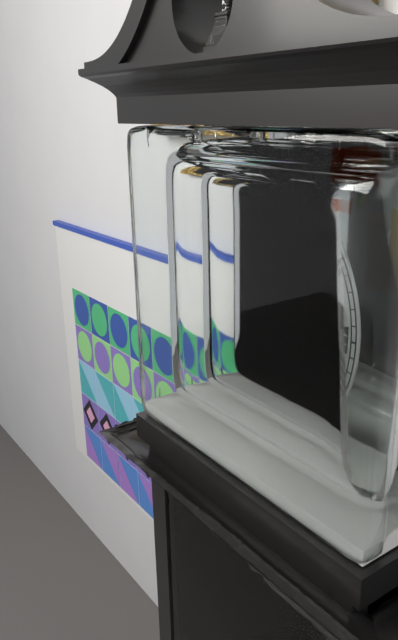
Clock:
5:04
